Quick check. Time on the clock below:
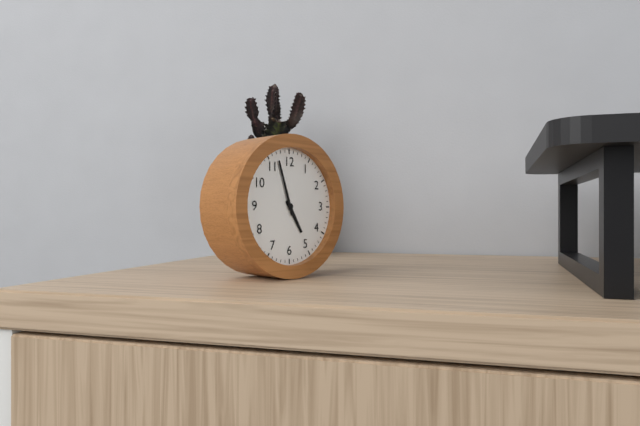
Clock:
4:57
